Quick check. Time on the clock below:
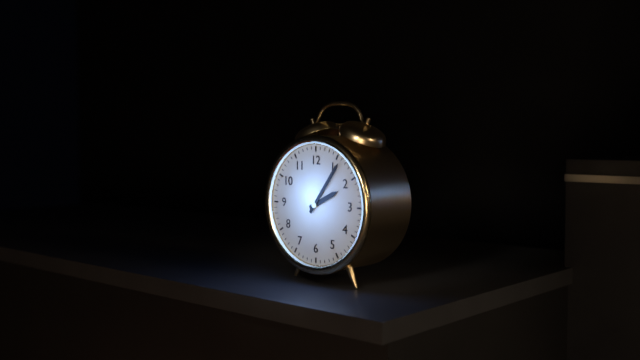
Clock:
2:06
